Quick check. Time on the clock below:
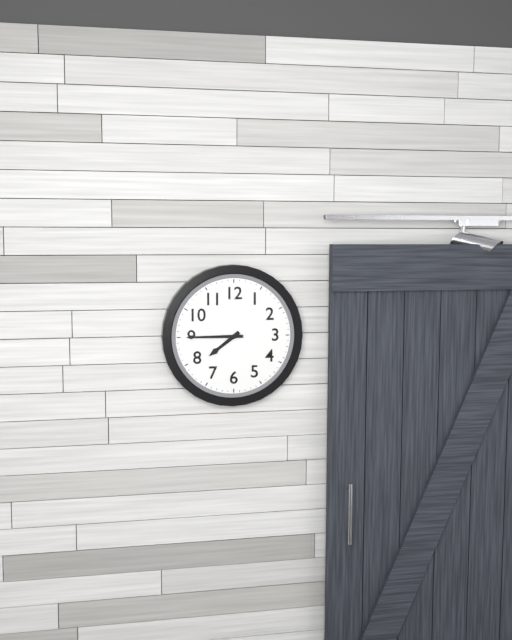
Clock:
7:45
